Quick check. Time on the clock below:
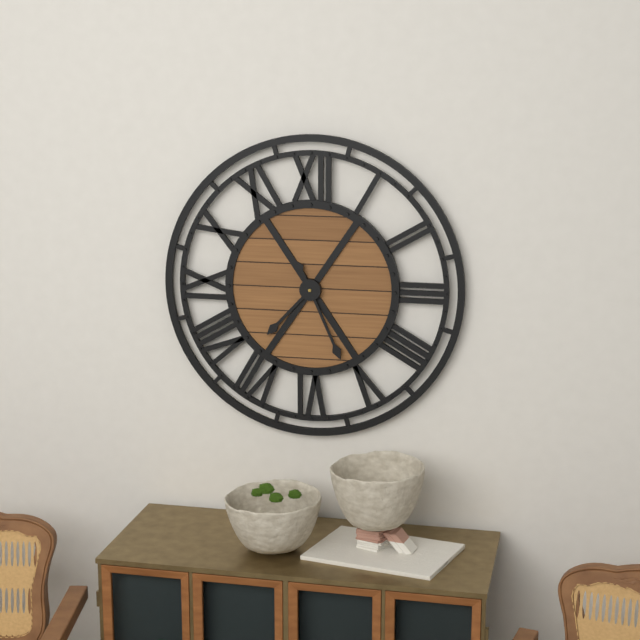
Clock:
7:26
